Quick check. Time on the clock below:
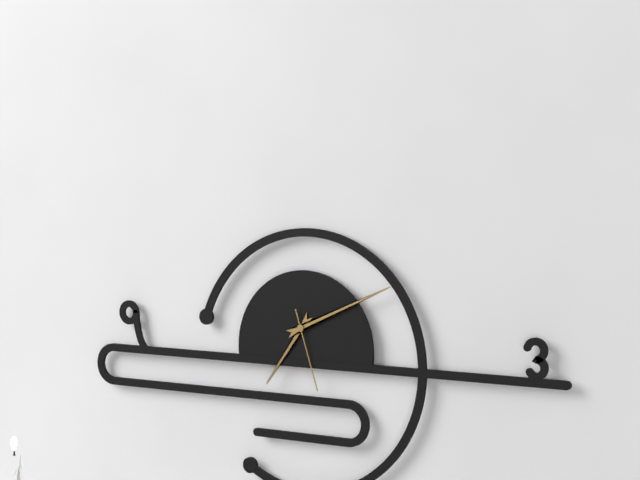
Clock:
7:11:27
